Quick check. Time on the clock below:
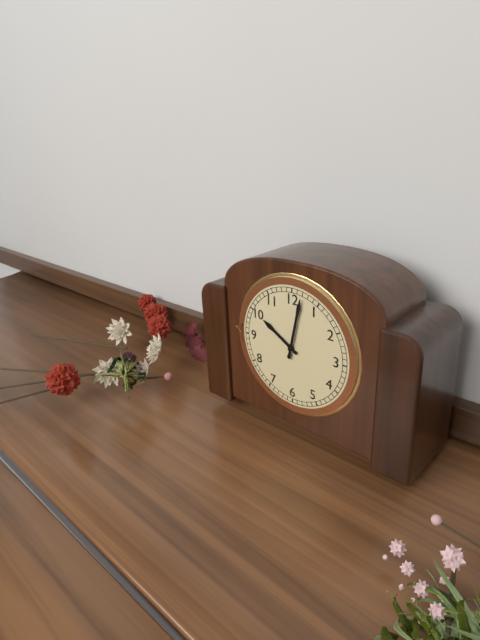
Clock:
10:02
